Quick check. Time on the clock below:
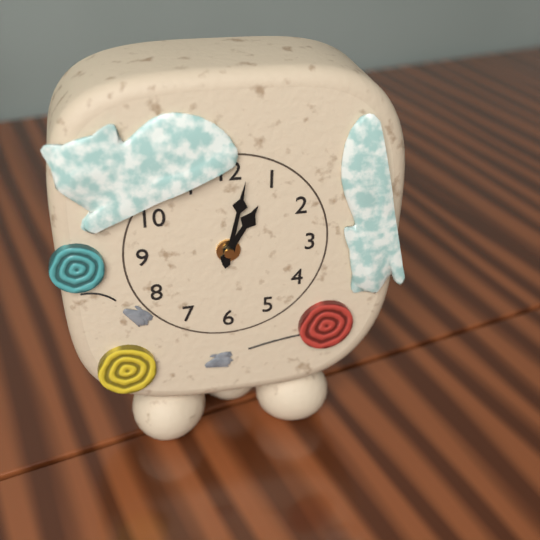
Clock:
1:02
